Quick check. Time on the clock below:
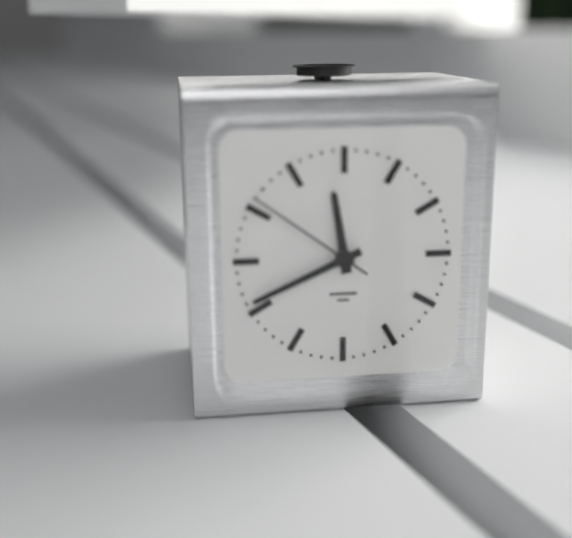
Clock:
11:41:51
